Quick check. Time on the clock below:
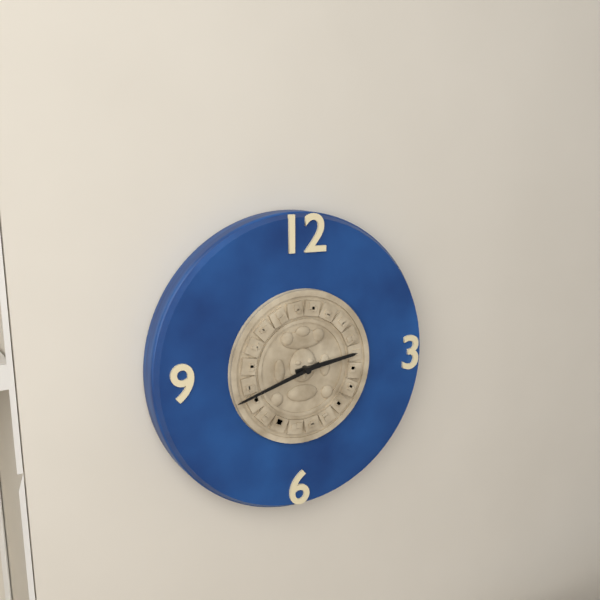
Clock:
2:42
